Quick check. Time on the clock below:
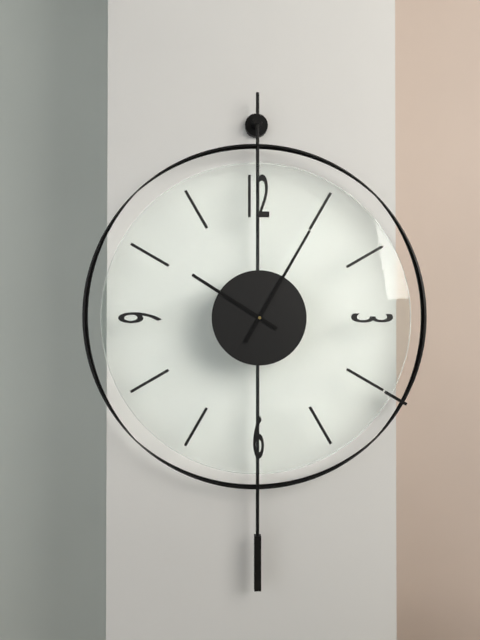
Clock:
10:05
